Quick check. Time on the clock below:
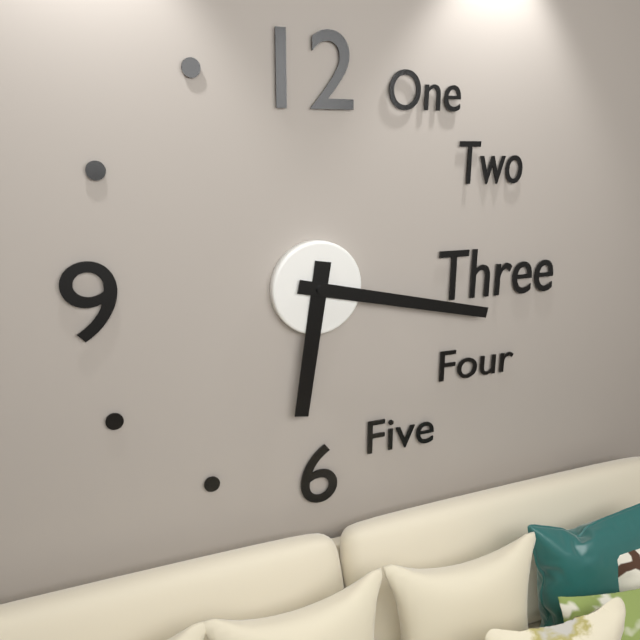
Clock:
6:17
